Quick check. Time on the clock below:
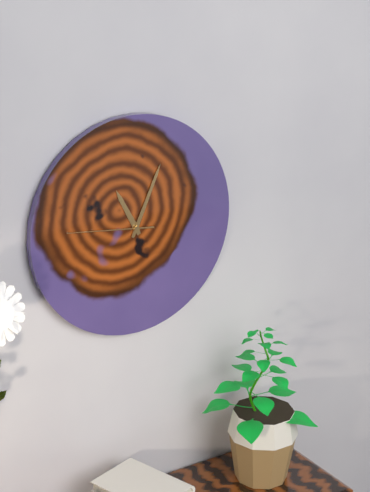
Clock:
11:04:46
